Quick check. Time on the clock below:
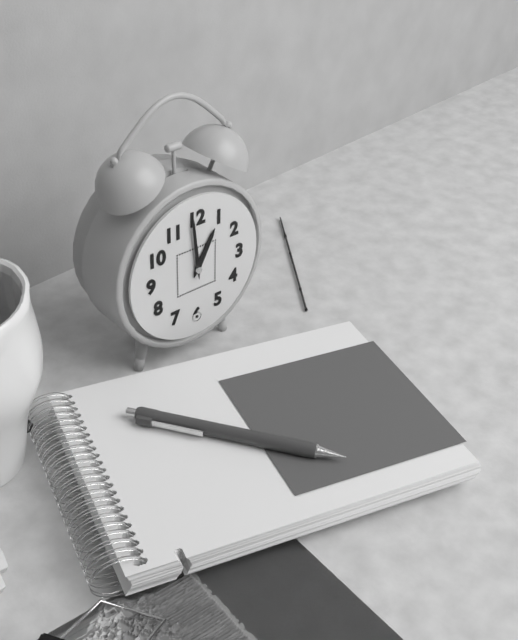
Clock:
12:59
